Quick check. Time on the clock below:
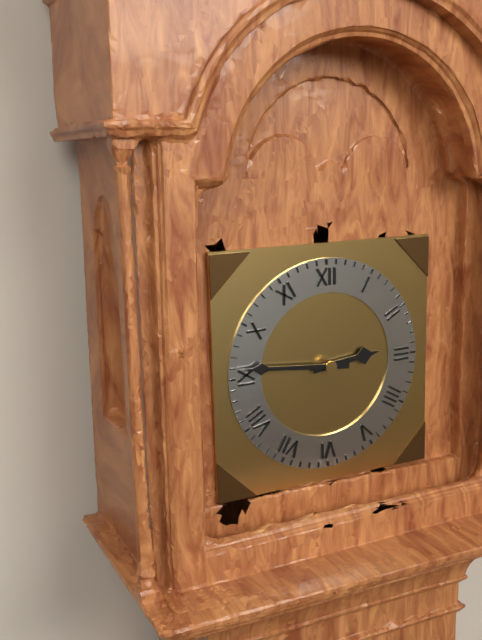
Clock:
2:46
